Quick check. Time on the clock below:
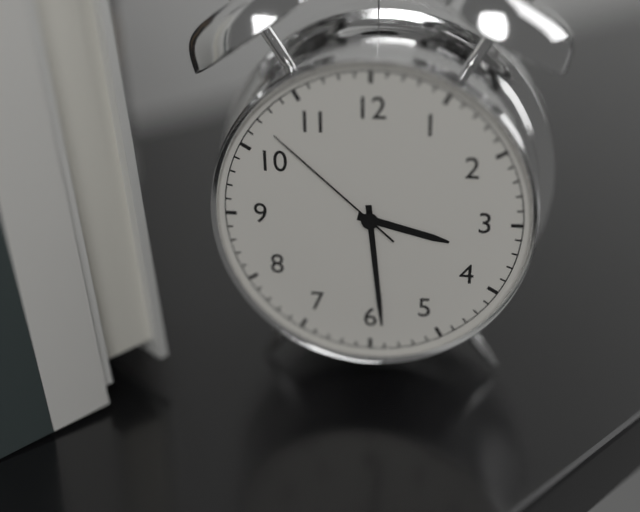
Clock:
3:29:52
